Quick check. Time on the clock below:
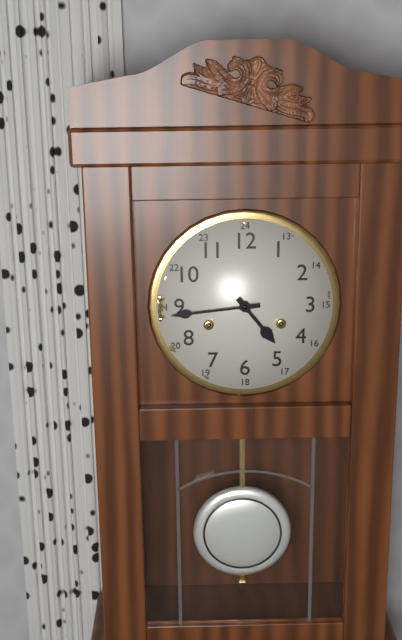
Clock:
4:44
